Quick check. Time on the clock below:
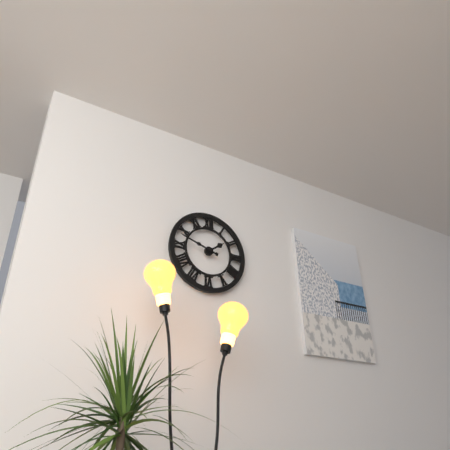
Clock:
1:48
